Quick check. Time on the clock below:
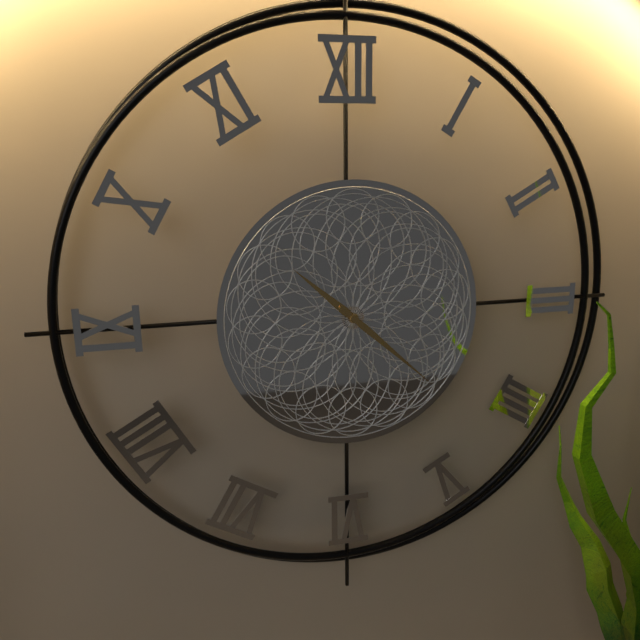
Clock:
10:22
